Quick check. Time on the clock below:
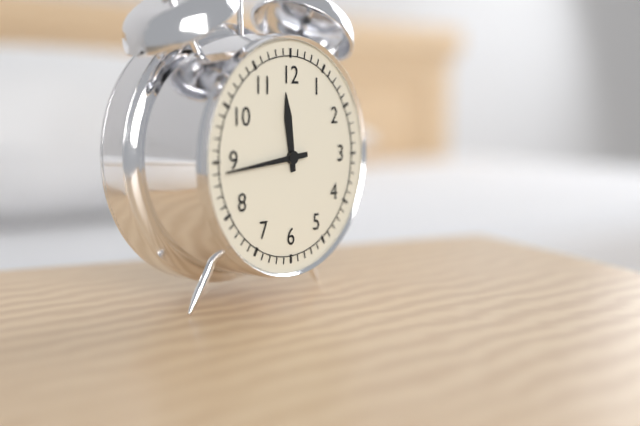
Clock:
11:44
